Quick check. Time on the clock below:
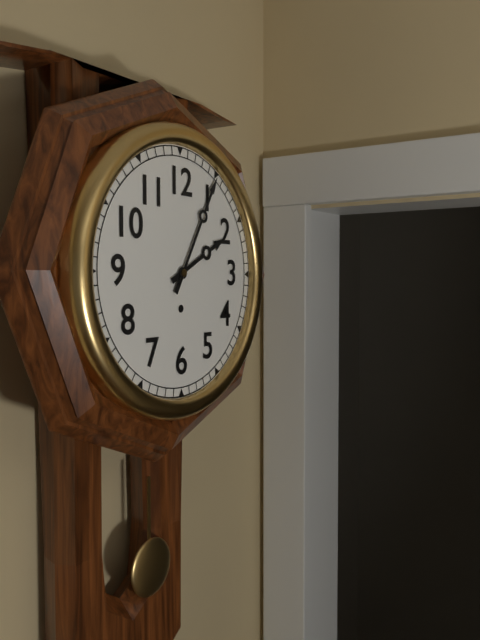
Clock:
2:05
